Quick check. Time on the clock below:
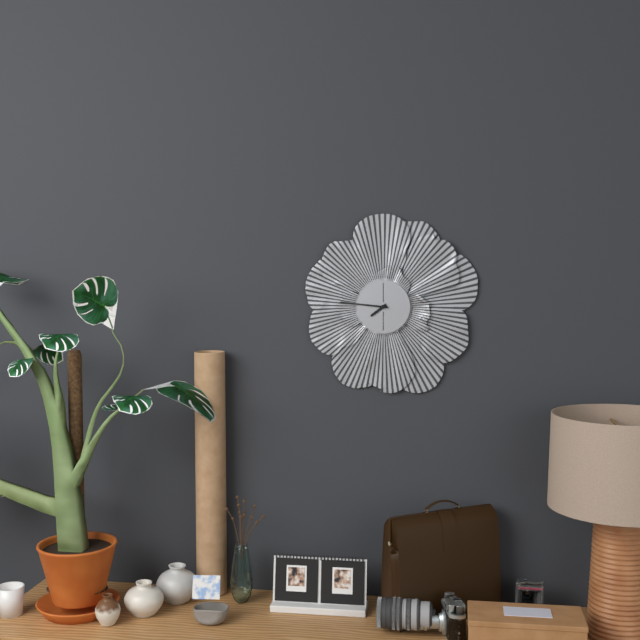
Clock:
7:46
